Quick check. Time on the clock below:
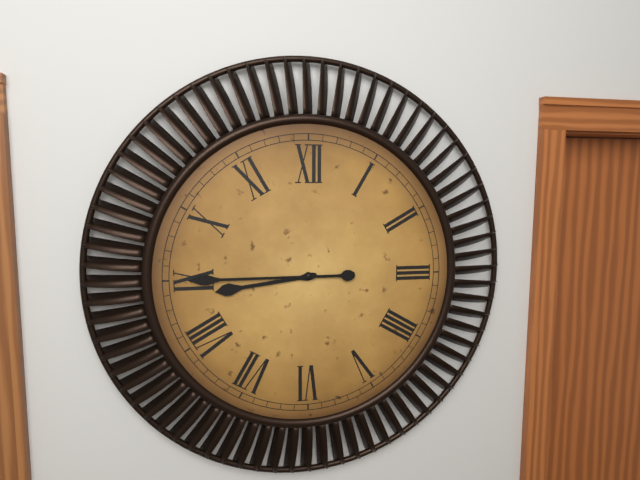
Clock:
8:45
